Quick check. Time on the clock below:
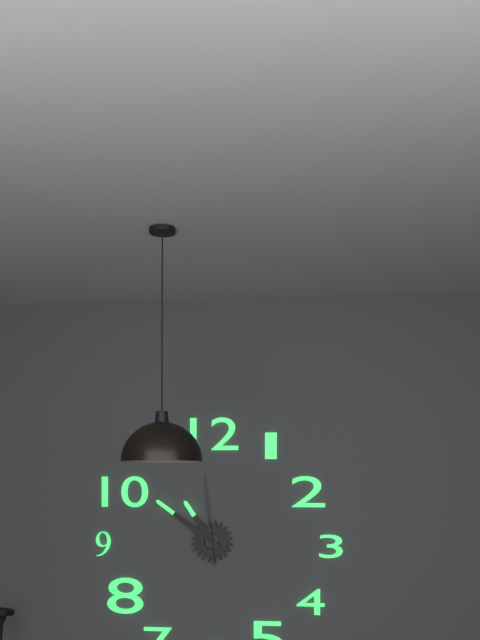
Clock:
10:51:59
